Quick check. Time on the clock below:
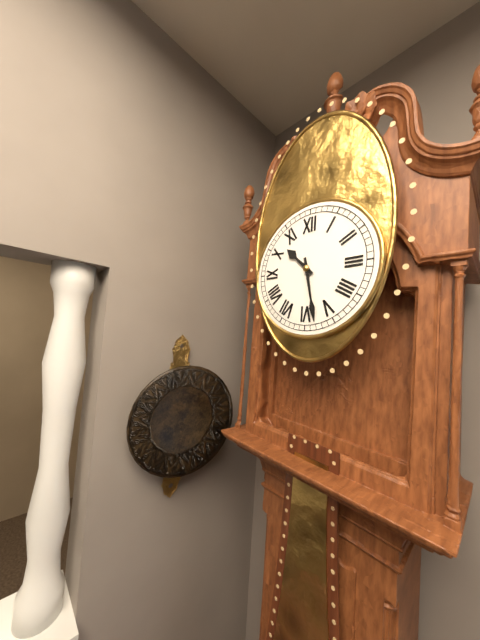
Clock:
10:28
